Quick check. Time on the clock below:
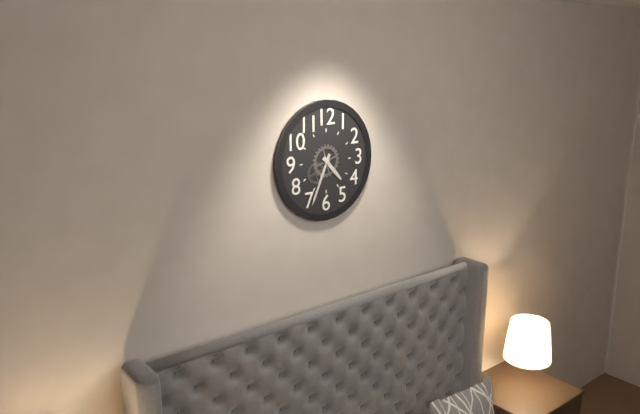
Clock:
4:34
